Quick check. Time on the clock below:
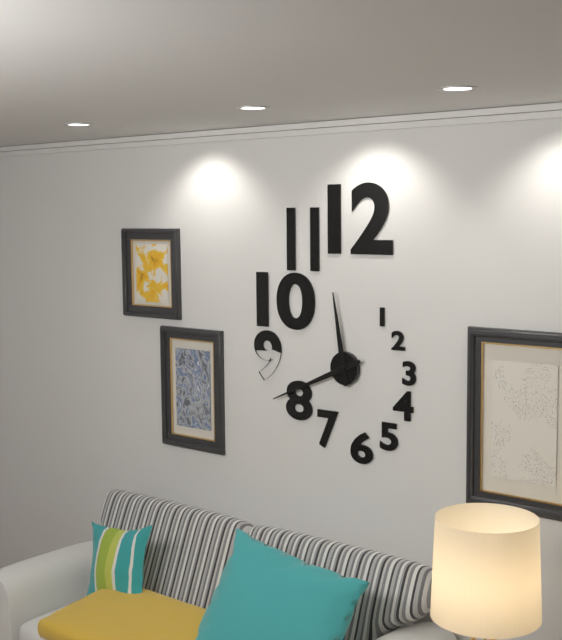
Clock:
11:41
